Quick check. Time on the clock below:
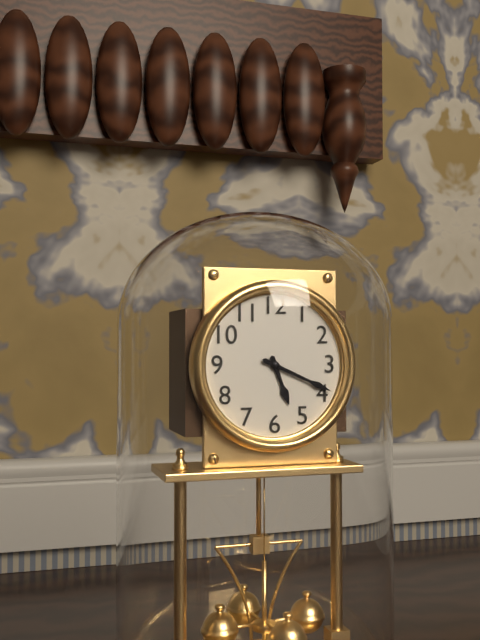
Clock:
5:19
